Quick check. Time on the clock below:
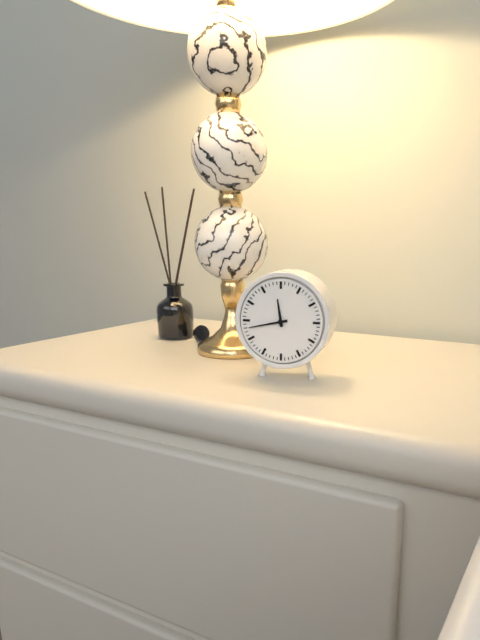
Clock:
11:43
